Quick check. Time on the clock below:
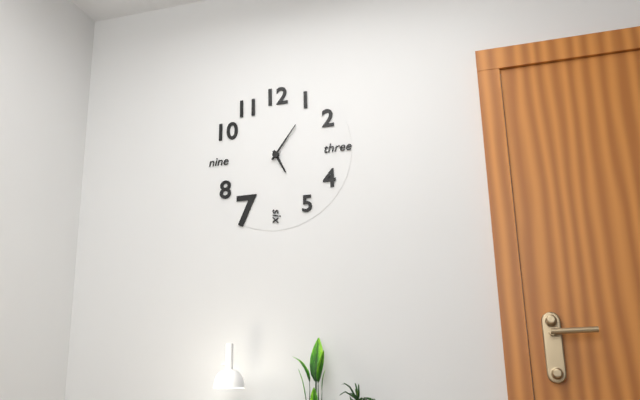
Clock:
5:06
